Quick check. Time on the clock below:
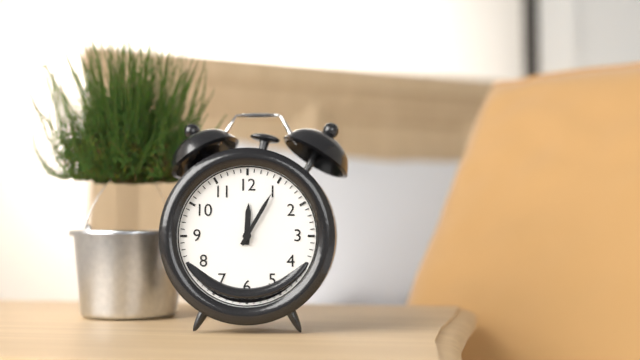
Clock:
12:05
